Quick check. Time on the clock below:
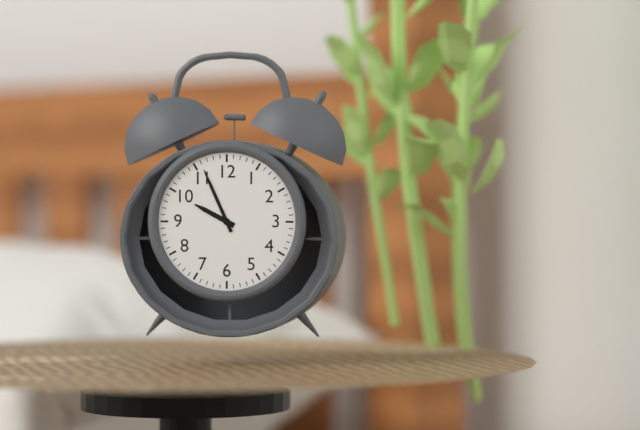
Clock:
9:56
